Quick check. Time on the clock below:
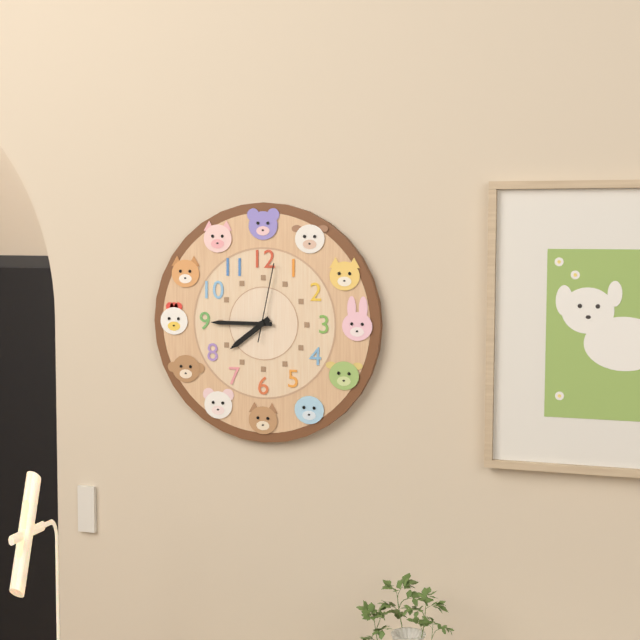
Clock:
7:45:02
